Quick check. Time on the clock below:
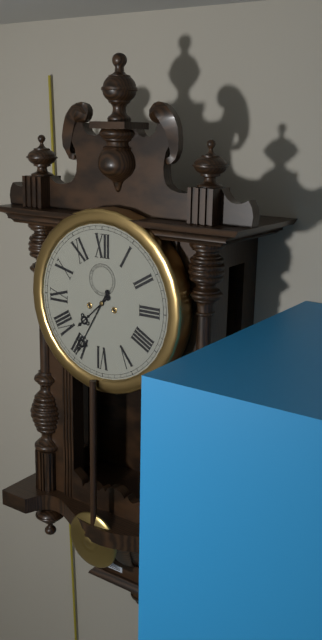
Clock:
7:35
